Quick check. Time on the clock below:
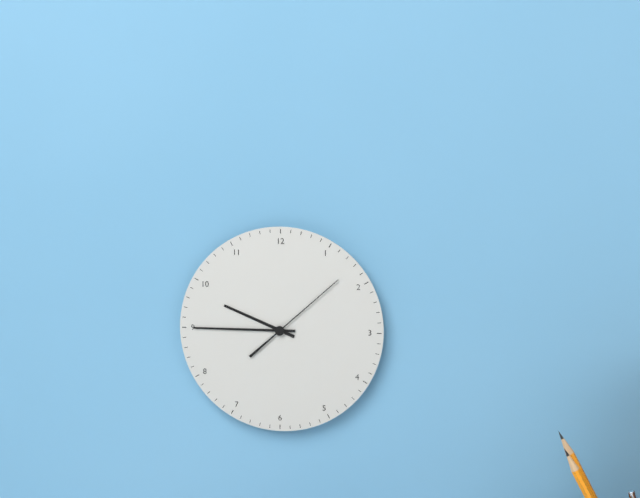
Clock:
9:45:08
